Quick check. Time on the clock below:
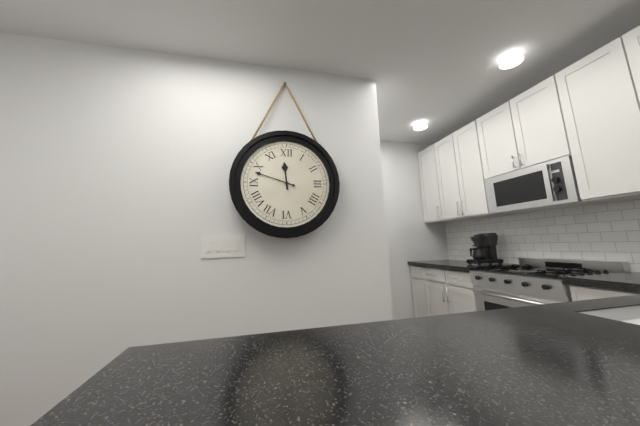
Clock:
11:48
